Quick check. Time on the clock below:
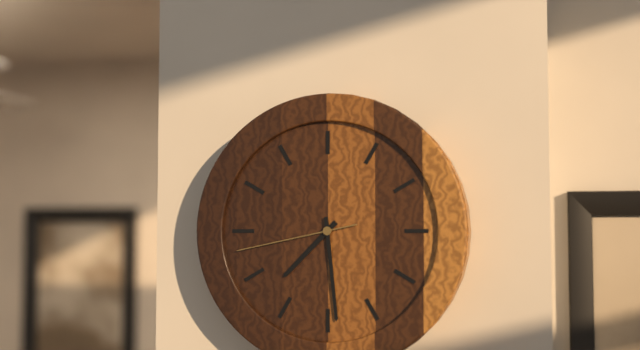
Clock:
7:29:43
